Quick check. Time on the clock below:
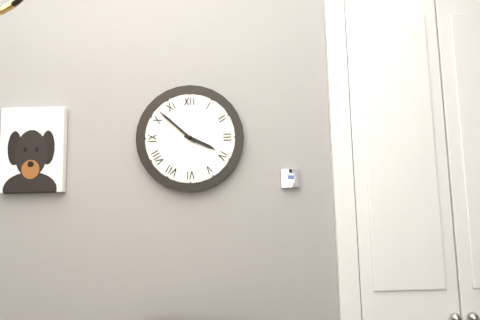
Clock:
3:52
